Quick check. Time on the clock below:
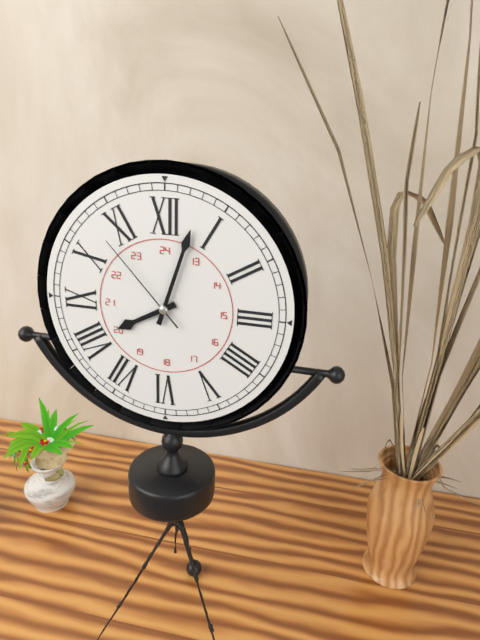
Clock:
8:03:53
